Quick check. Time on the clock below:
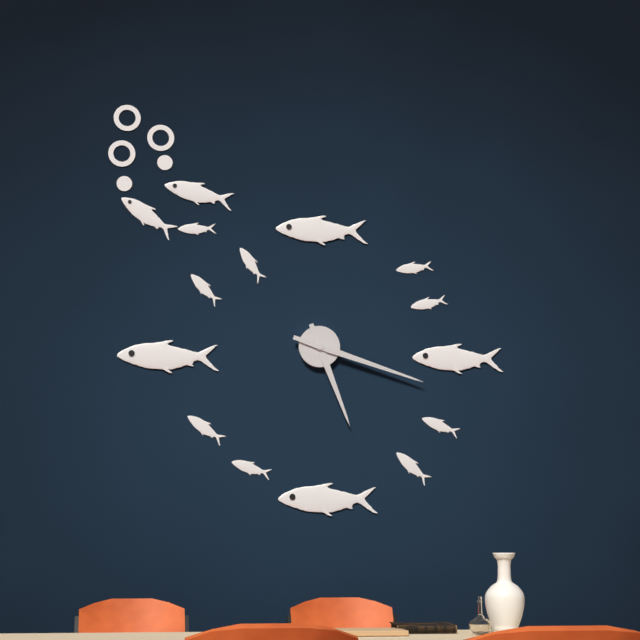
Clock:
5:18
